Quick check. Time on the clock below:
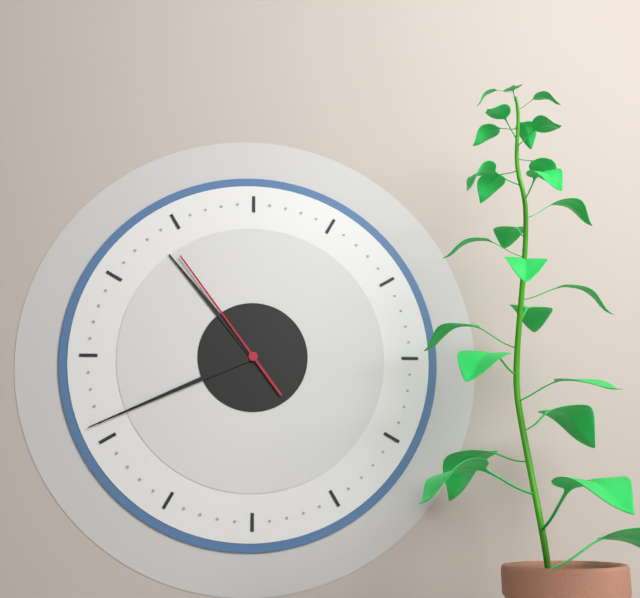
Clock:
10:41:54
